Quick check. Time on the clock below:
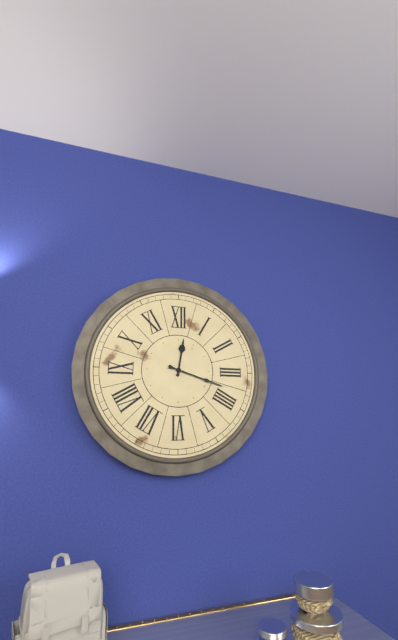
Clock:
12:18
